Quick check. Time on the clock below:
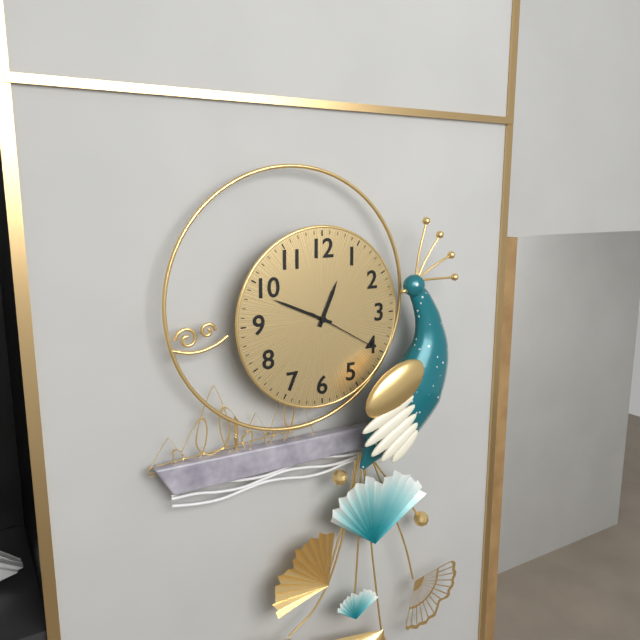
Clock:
12:49:20
